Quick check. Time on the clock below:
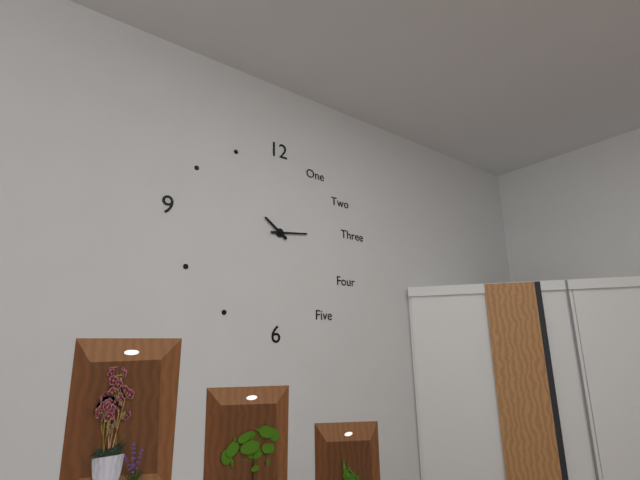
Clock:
10:14
